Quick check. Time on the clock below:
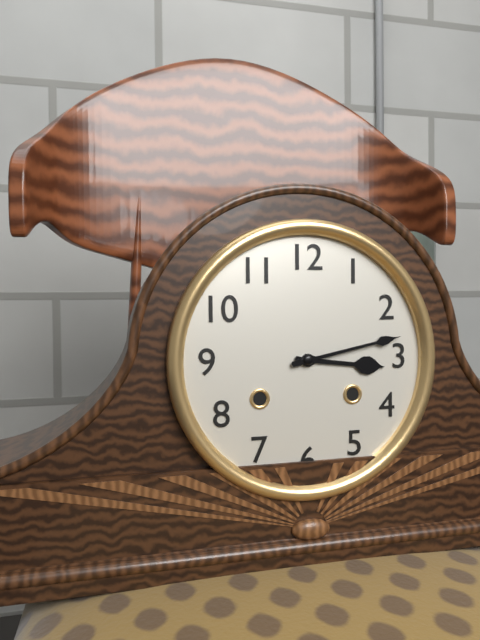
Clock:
3:13
